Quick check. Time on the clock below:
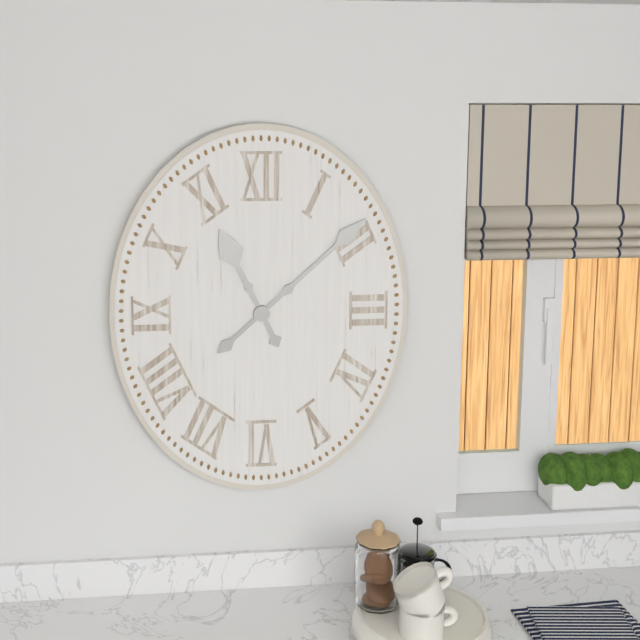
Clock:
11:08
